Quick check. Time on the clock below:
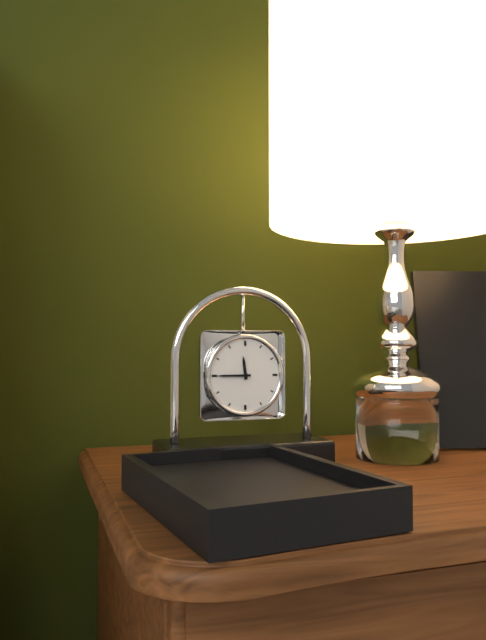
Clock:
11:45
